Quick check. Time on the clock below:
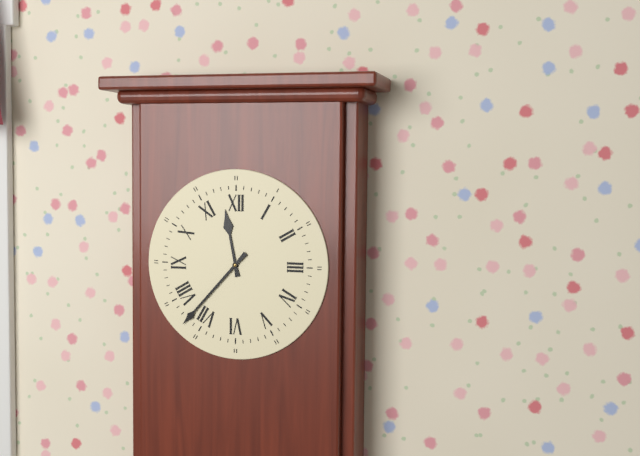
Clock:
11:37
